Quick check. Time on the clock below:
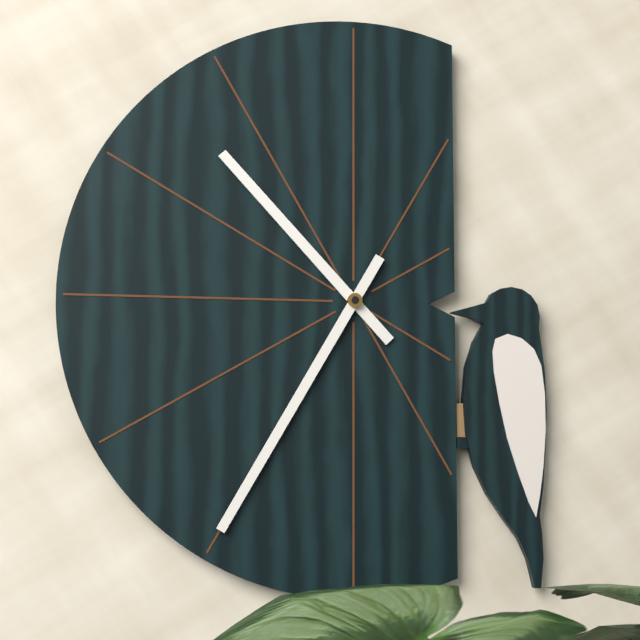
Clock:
10:35
